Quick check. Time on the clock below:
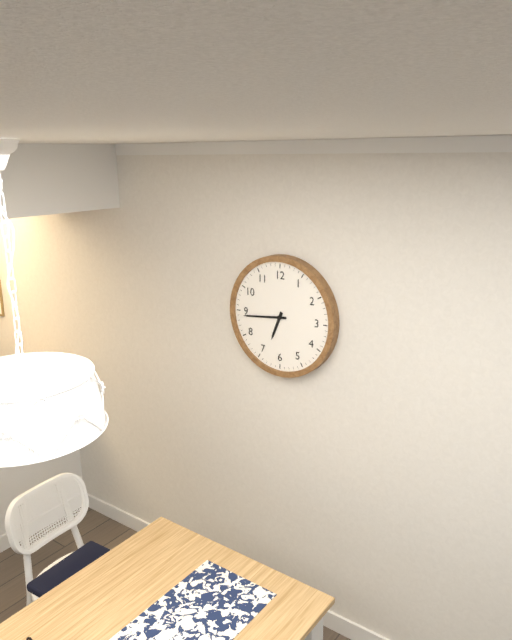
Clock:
6:44
